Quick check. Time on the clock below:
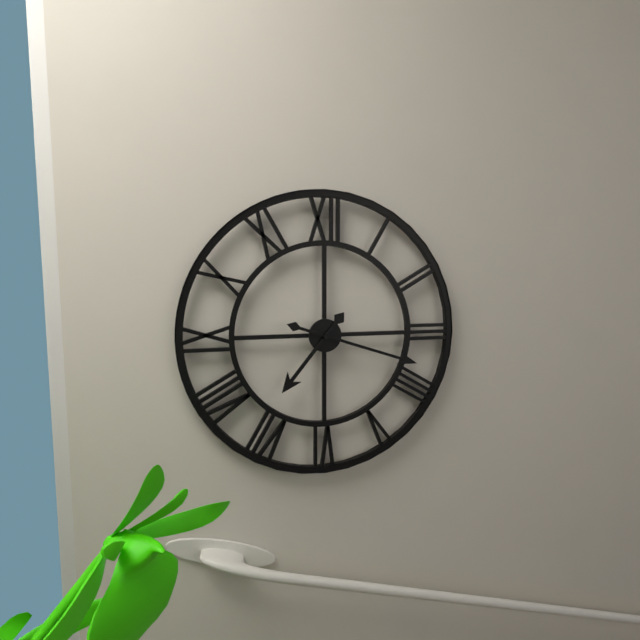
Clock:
7:18
